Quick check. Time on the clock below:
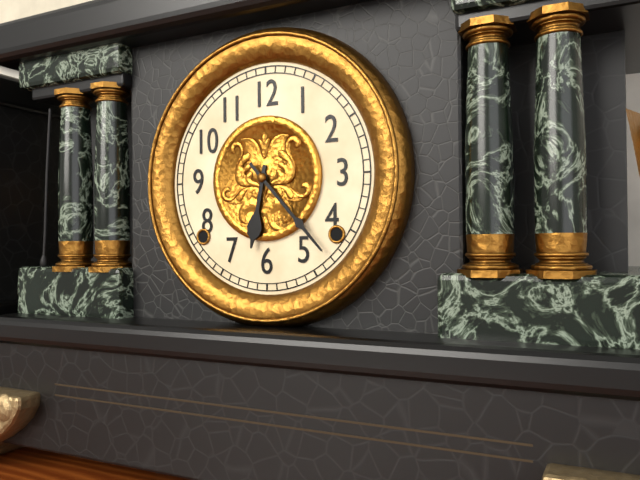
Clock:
6:23
